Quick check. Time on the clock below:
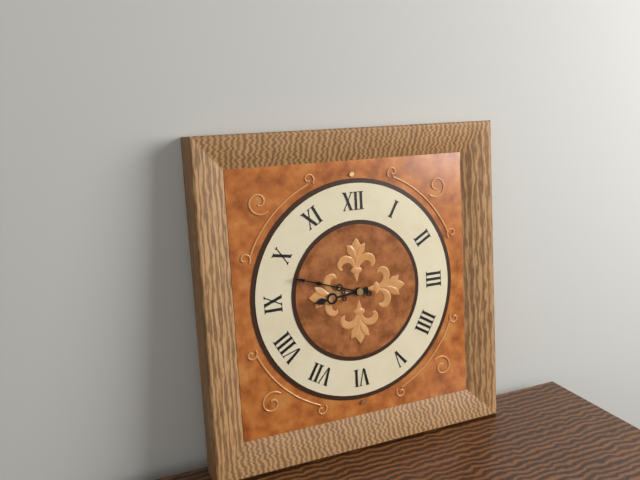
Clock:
8:48
